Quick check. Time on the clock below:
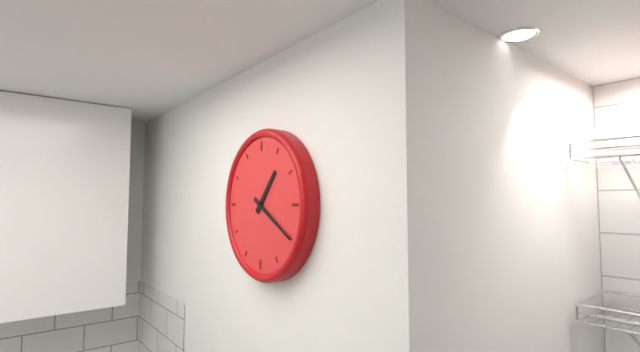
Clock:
1:20
